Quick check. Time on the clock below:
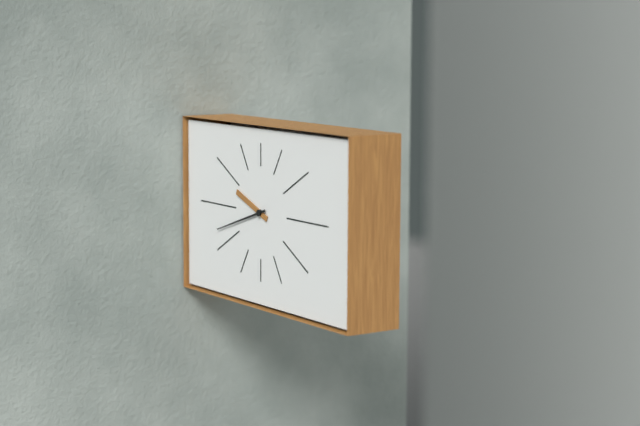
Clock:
9:42
